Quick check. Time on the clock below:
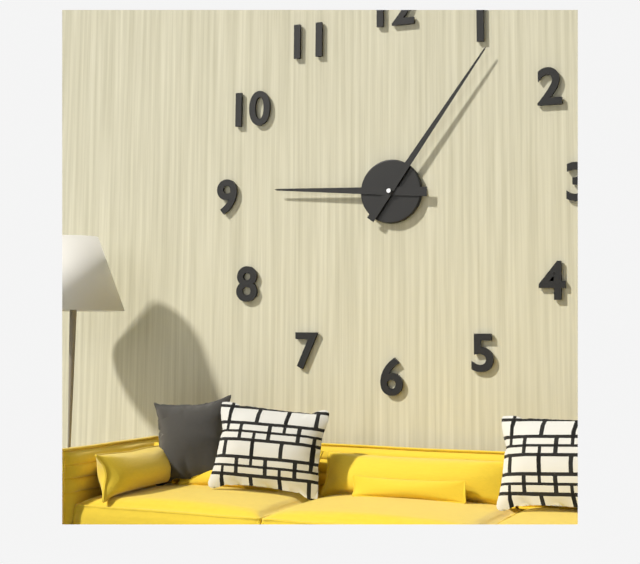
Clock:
9:06
